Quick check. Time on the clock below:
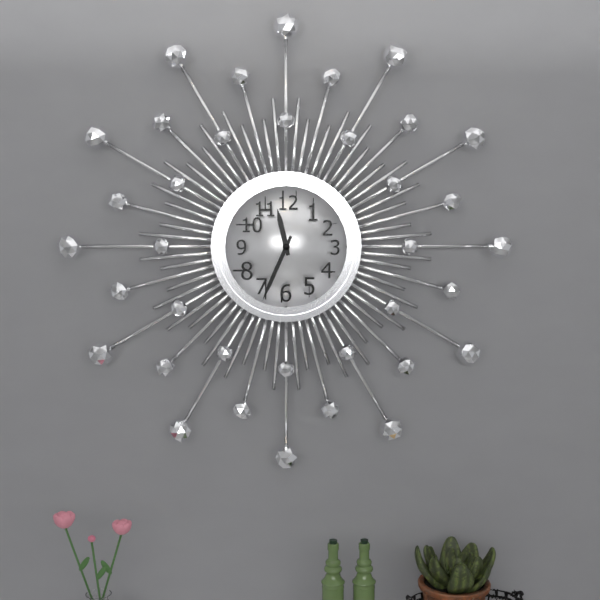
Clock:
11:34
